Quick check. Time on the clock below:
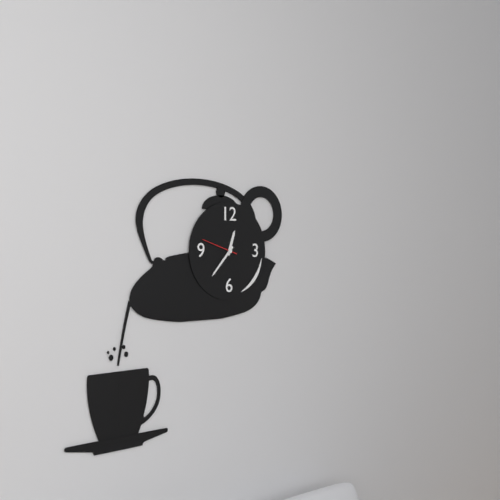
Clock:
12:37
